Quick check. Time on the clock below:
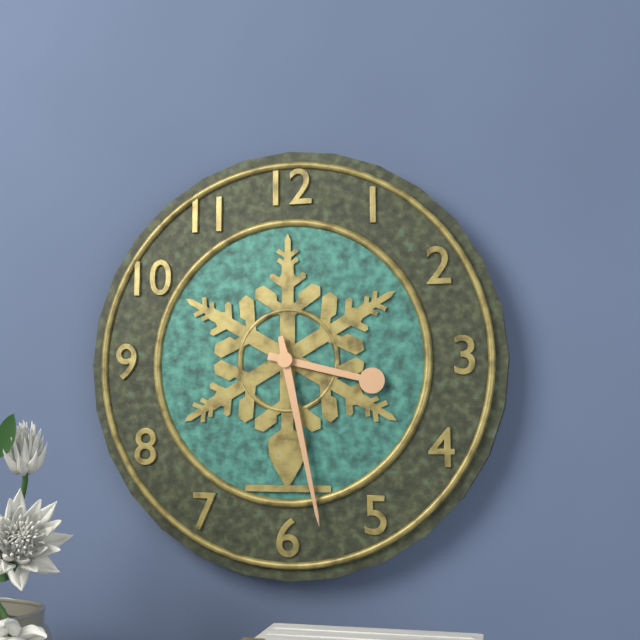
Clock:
3:28
